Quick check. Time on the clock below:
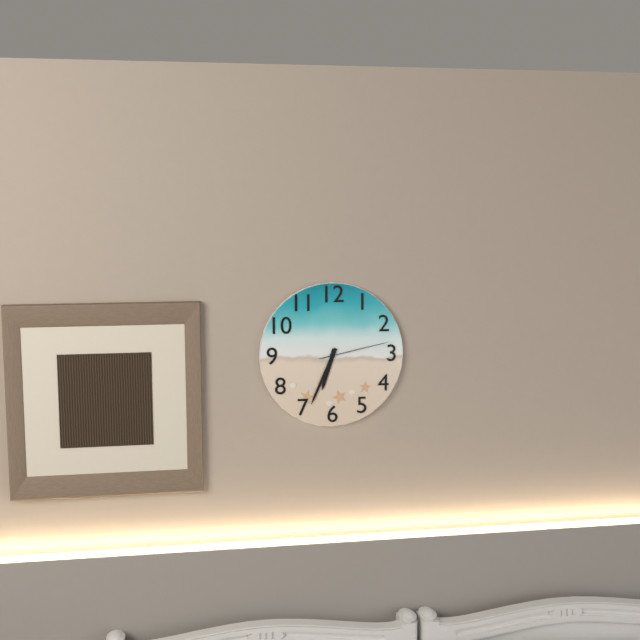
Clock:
6:34:13
